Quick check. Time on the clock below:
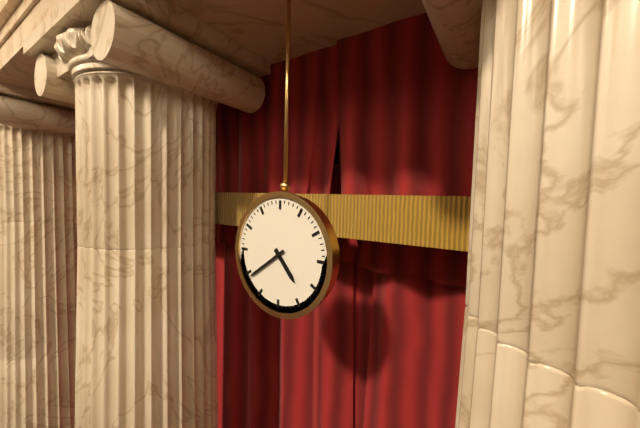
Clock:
4:39
